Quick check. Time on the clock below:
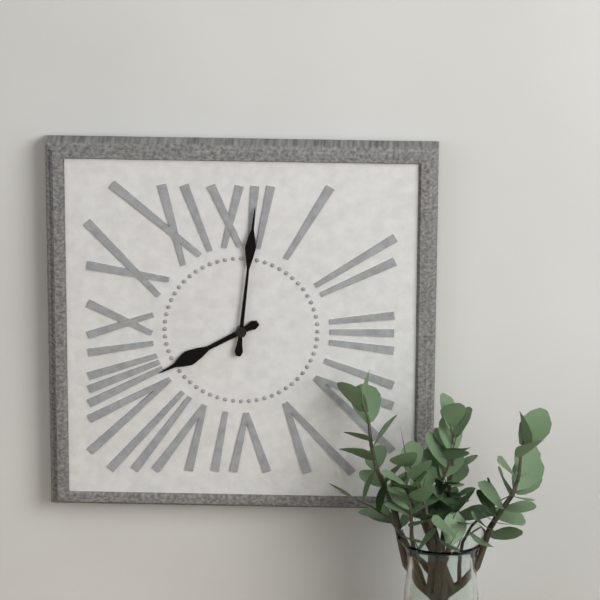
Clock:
8:01
